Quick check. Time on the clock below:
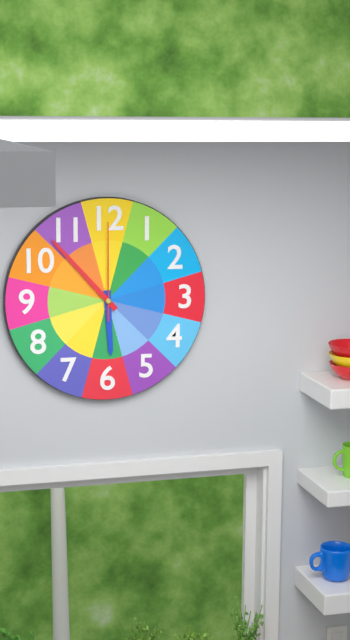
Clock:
5:53:00
